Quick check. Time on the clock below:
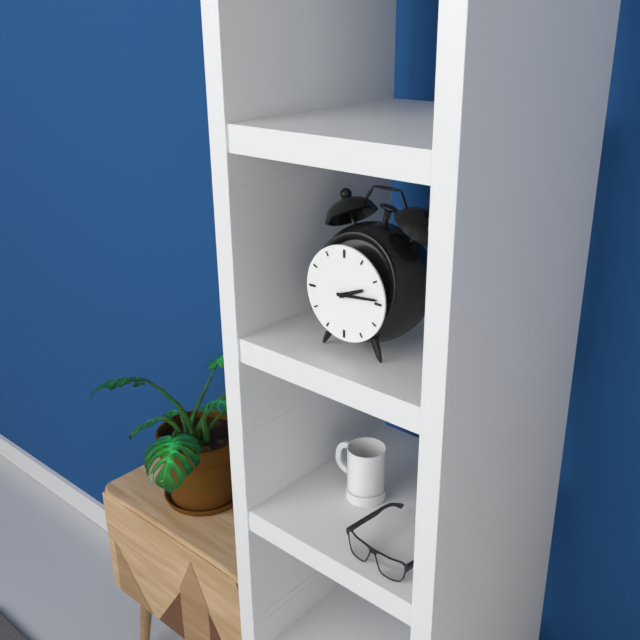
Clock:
2:14
